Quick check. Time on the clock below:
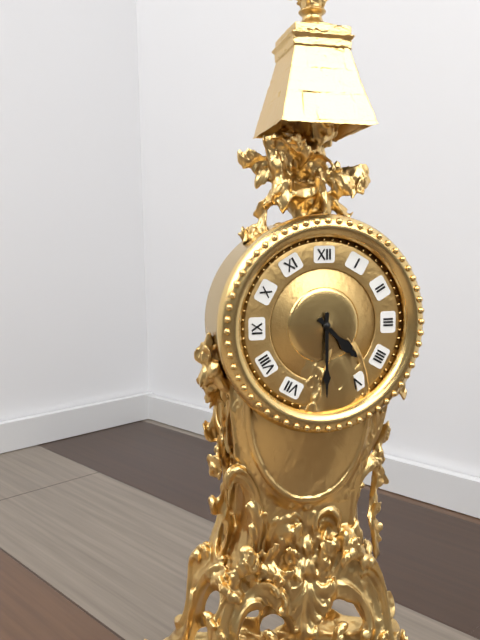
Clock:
4:30
